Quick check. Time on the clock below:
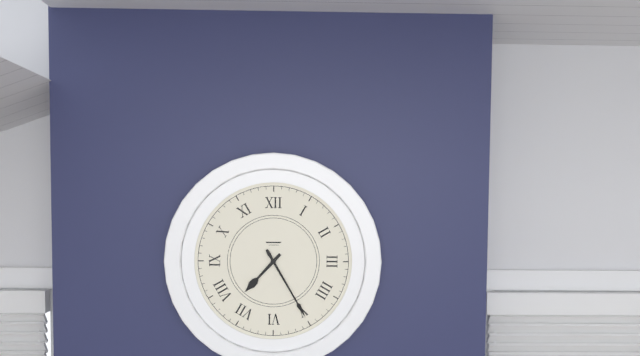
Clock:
7:25
